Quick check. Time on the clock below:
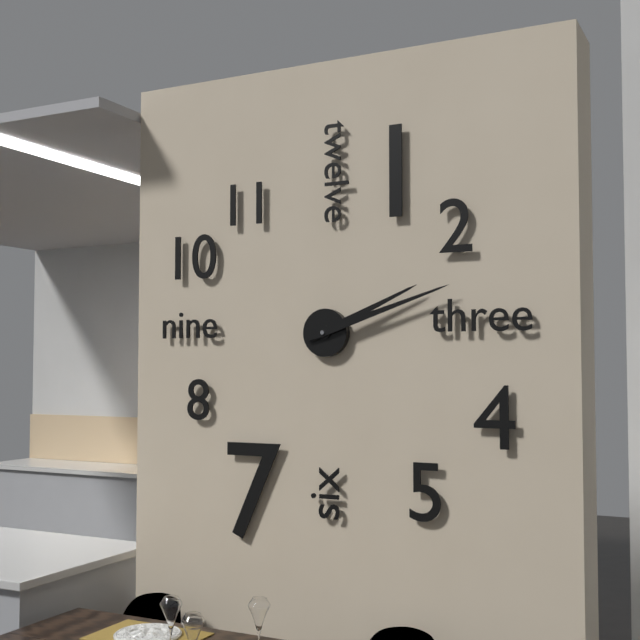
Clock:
2:12
